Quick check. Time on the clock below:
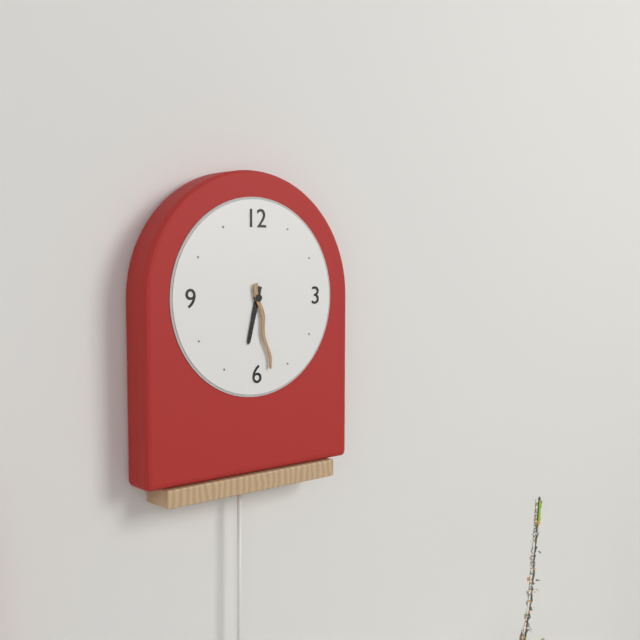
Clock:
6:28
